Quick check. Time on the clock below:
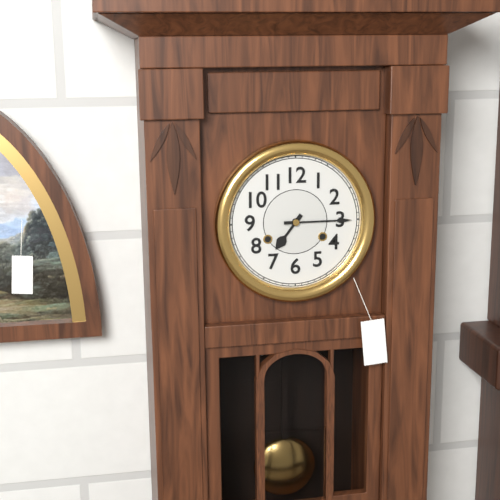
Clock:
7:15
